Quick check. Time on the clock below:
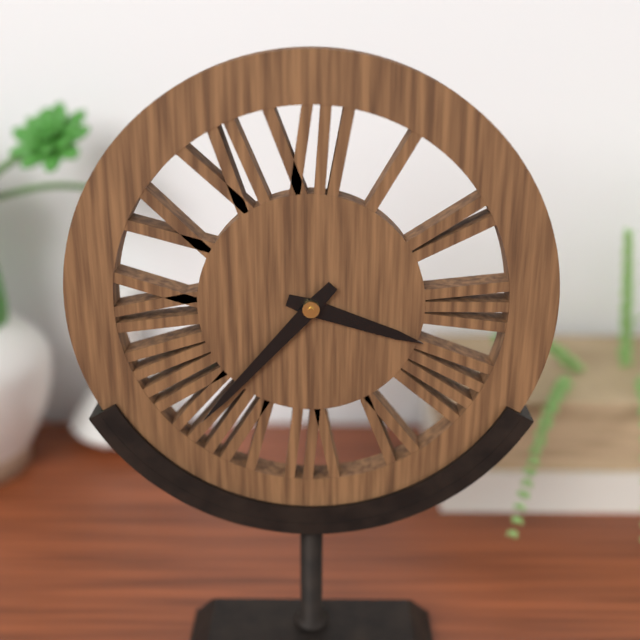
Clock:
3:37
